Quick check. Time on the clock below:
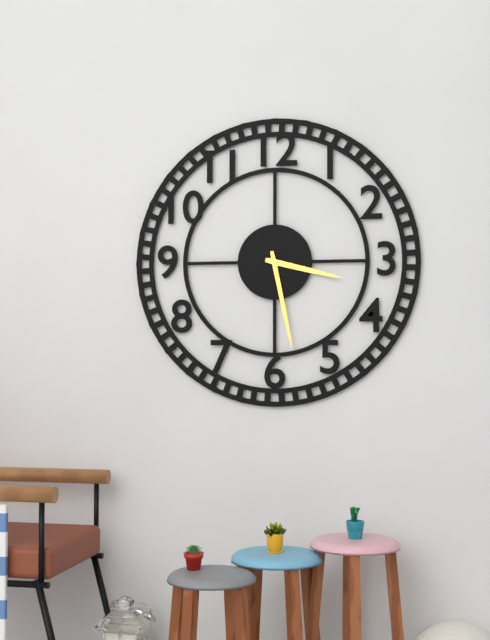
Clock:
3:28
